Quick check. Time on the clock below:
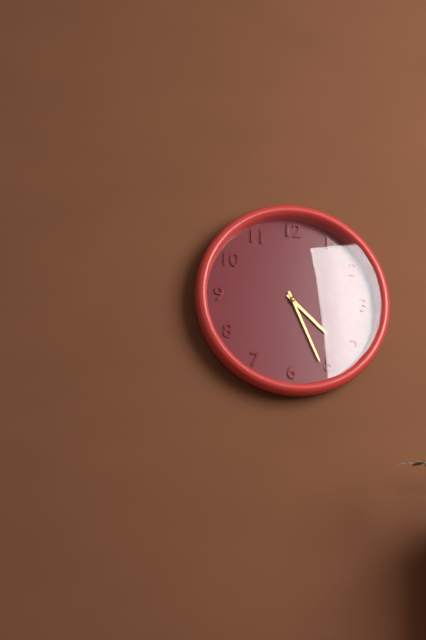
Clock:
4:26
